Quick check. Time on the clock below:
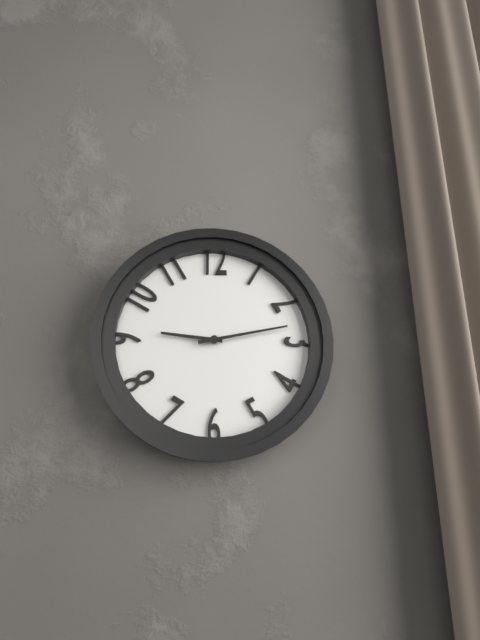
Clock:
9:13
